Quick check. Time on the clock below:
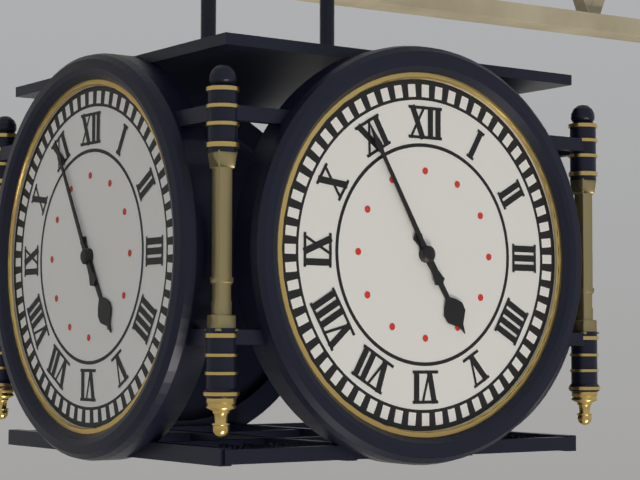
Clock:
4:55
